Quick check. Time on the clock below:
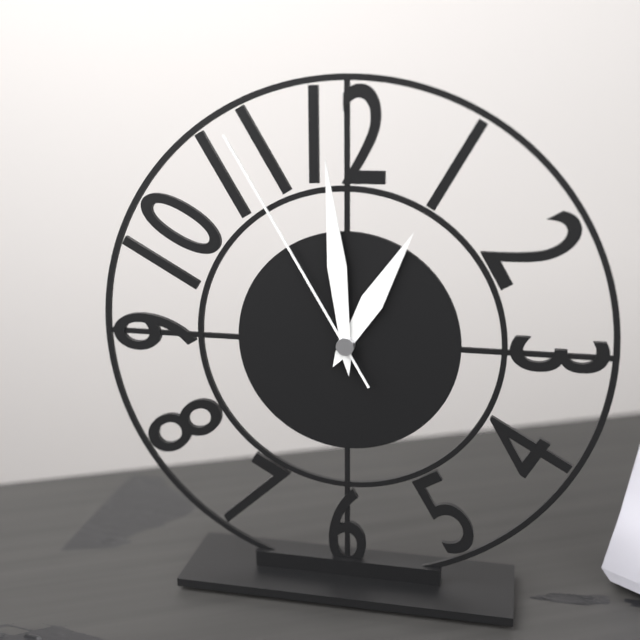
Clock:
12:59:55
